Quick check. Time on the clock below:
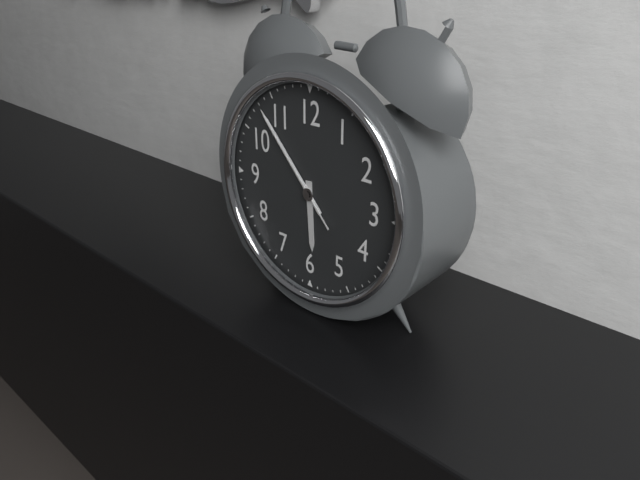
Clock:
5:53:53
